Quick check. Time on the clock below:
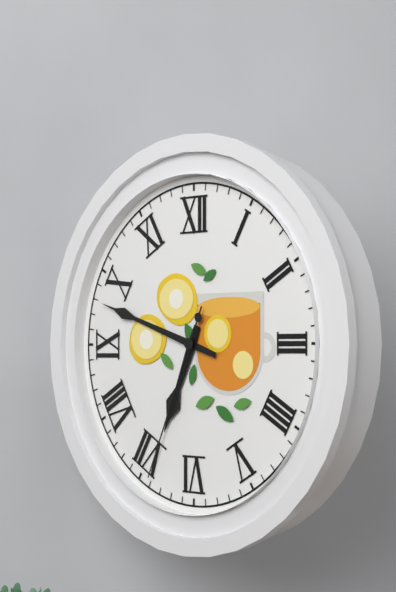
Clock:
6:48:34
